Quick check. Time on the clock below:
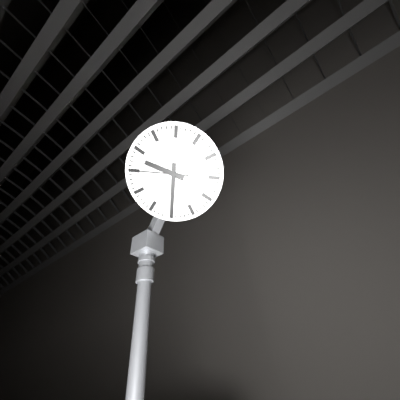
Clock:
10:35:50
